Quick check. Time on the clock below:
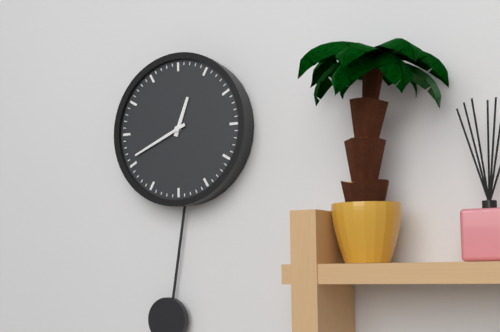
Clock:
12:41
